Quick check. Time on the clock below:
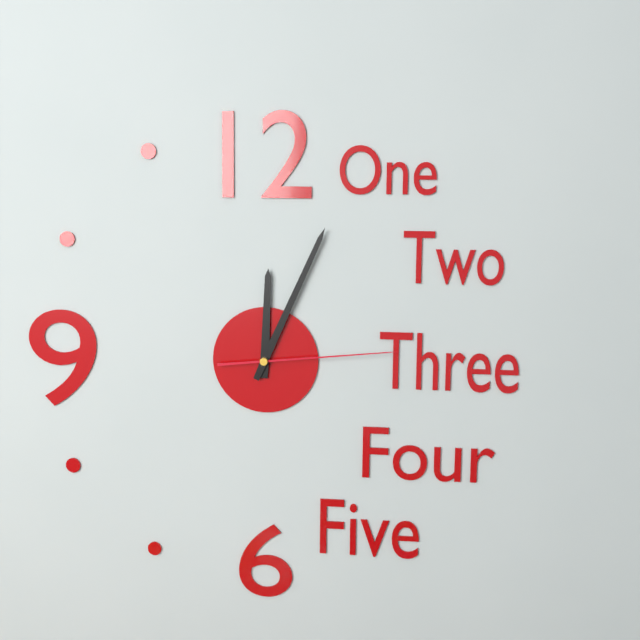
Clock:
12:04:14
